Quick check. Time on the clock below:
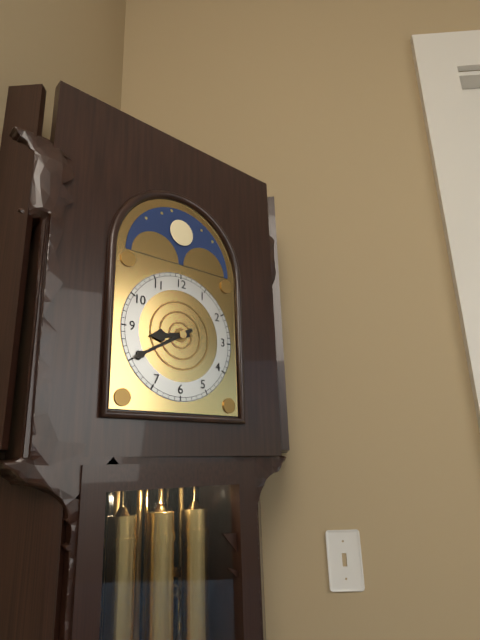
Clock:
8:40
